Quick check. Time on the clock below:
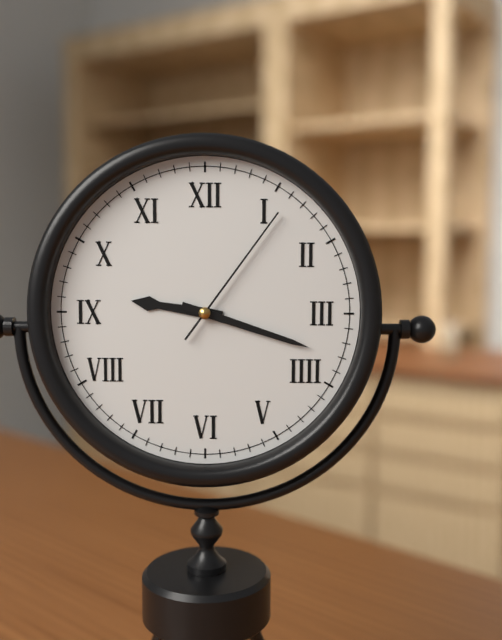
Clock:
9:18:06
